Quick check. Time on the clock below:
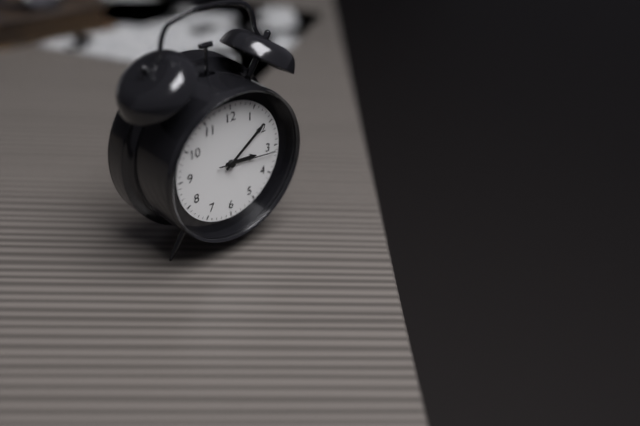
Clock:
3:09:16
